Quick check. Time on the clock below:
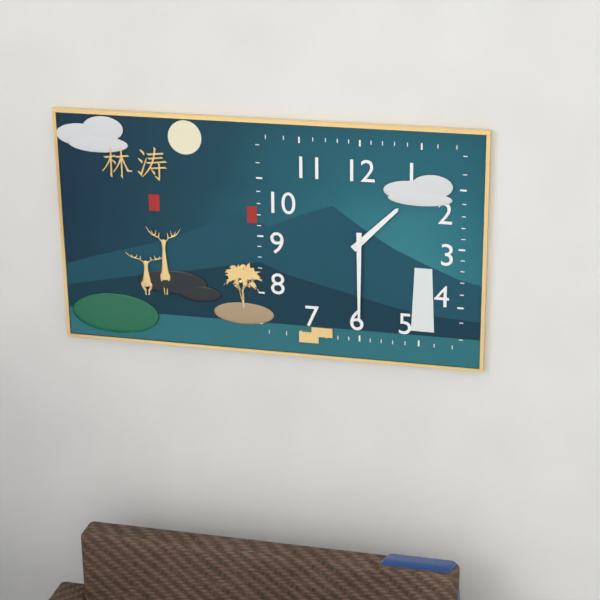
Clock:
1:30
